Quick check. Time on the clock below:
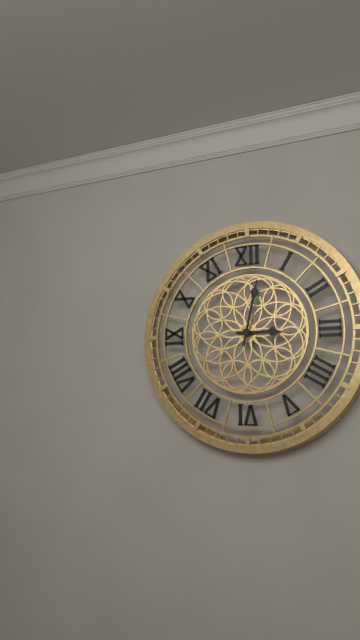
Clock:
3:02
